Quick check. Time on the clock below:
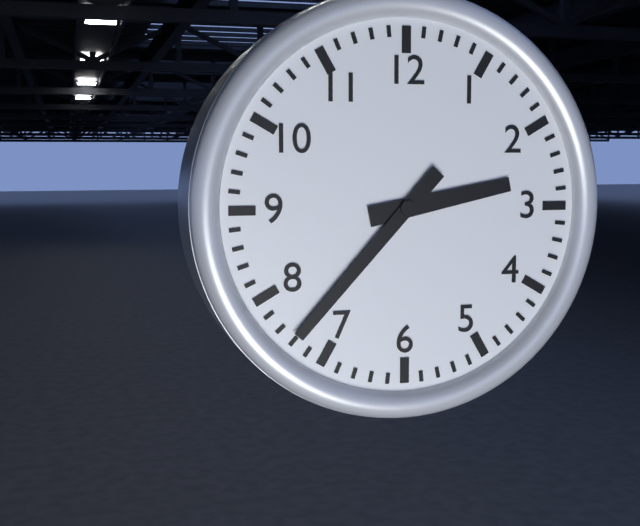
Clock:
2:37
